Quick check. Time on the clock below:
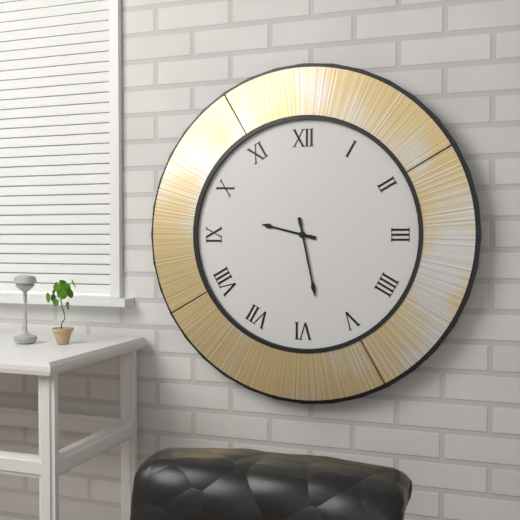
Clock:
9:28
